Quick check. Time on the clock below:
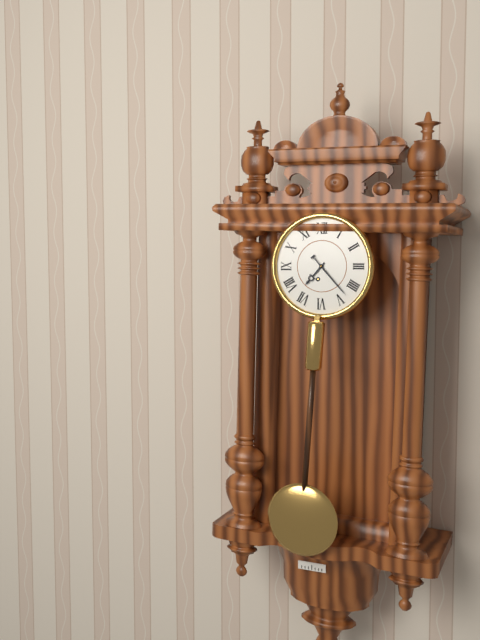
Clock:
7:23
